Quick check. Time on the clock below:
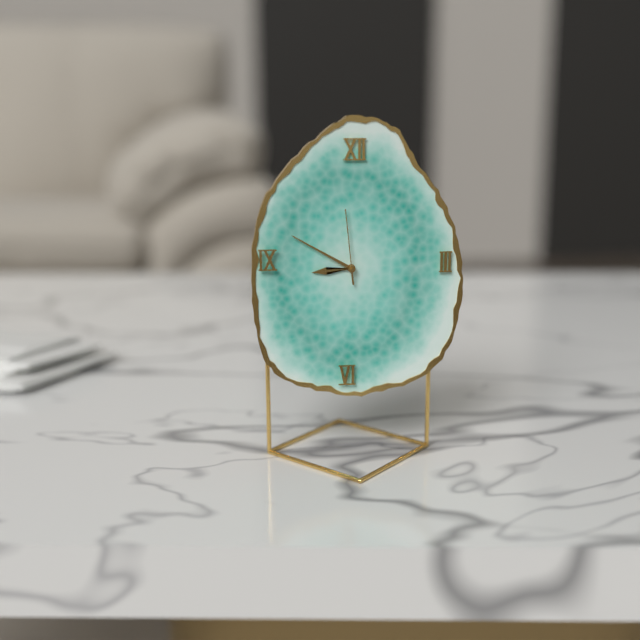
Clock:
8:50:59
